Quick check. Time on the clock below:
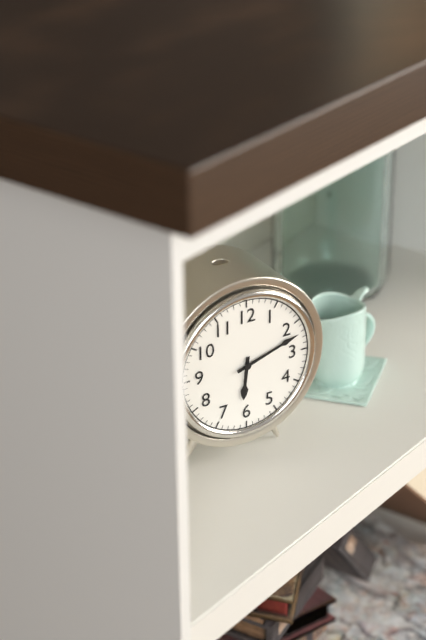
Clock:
6:12
